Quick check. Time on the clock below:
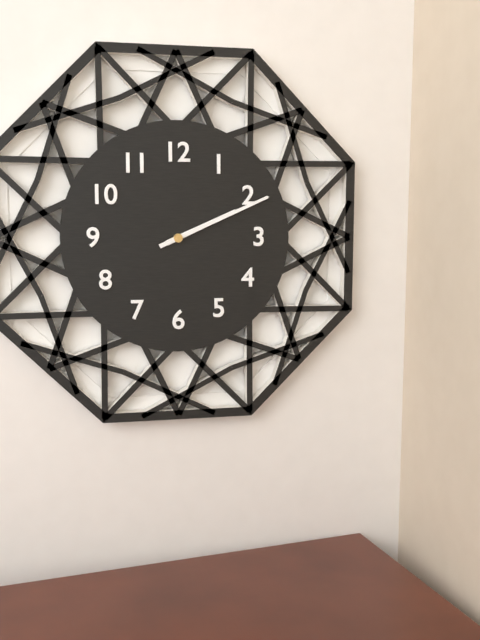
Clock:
2:11
